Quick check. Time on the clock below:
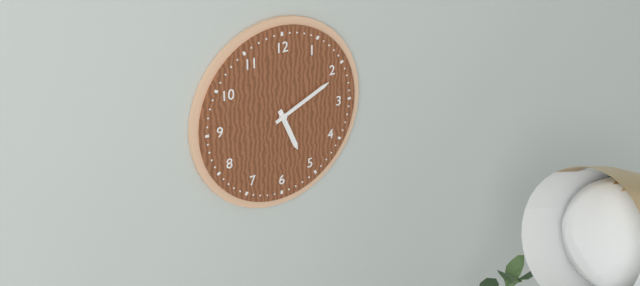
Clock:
5:11
